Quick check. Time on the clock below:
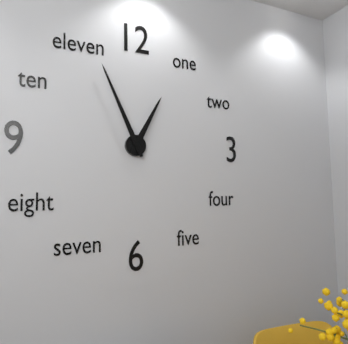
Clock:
12:56
